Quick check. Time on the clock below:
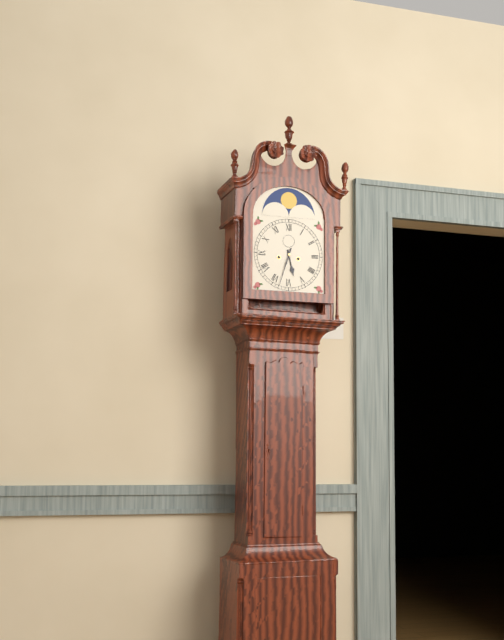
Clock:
5:33
